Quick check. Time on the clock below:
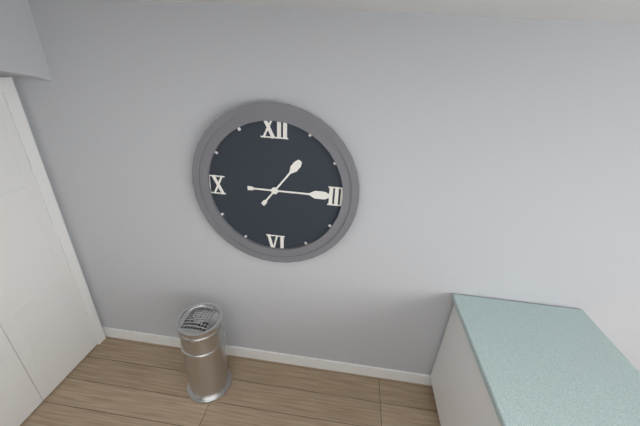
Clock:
1:15
